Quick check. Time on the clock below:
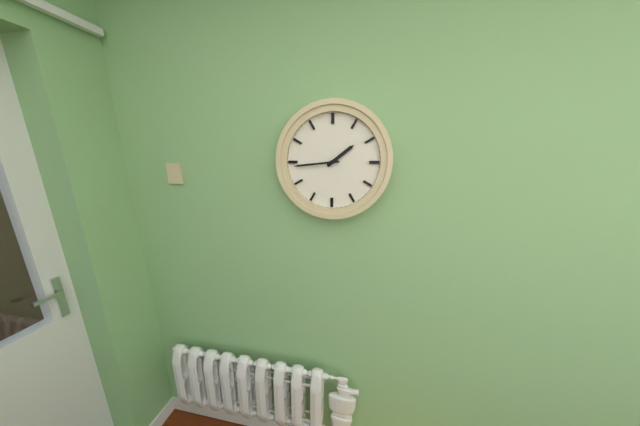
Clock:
1:44
